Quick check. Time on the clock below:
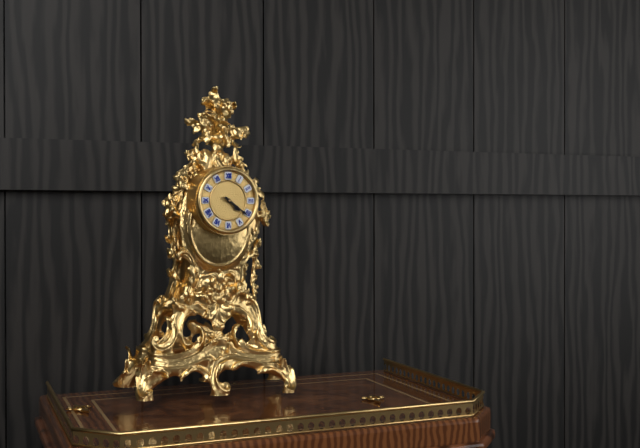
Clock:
4:21
